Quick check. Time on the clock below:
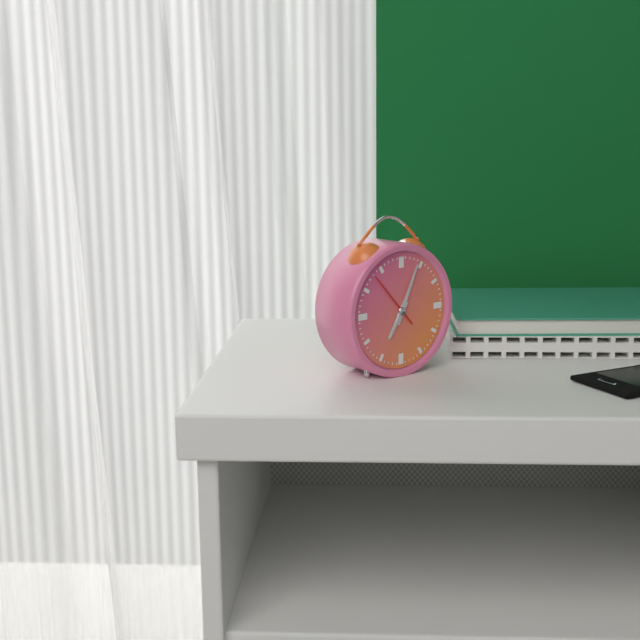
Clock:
7:04
